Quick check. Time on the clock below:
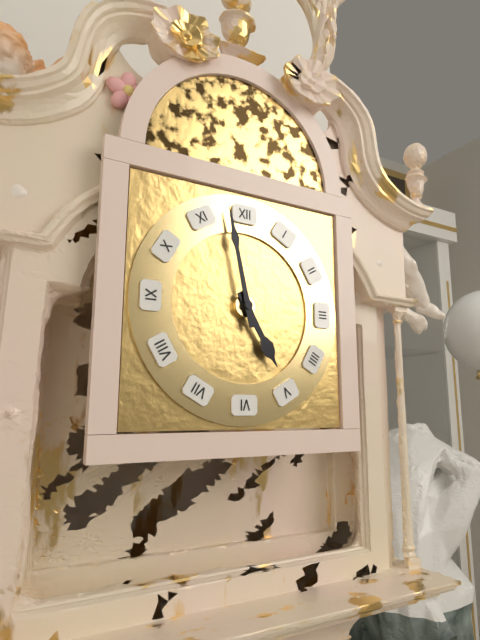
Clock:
4:58
